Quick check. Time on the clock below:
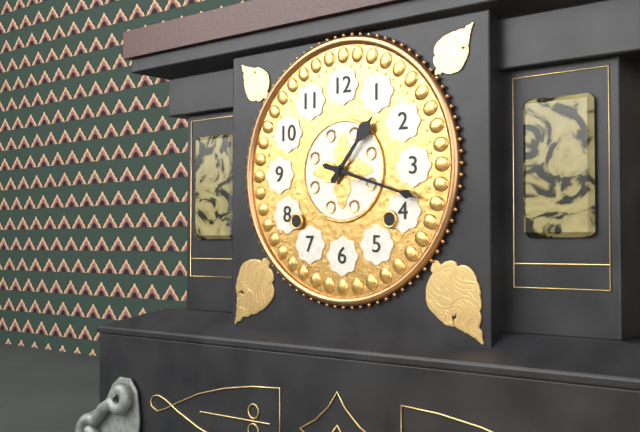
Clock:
1:18
